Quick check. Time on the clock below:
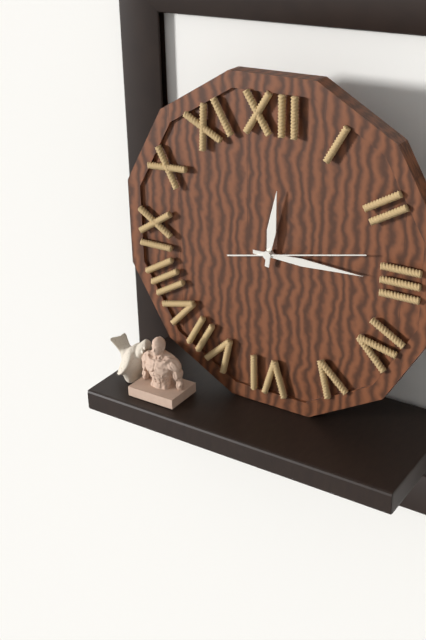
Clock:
12:15:13
